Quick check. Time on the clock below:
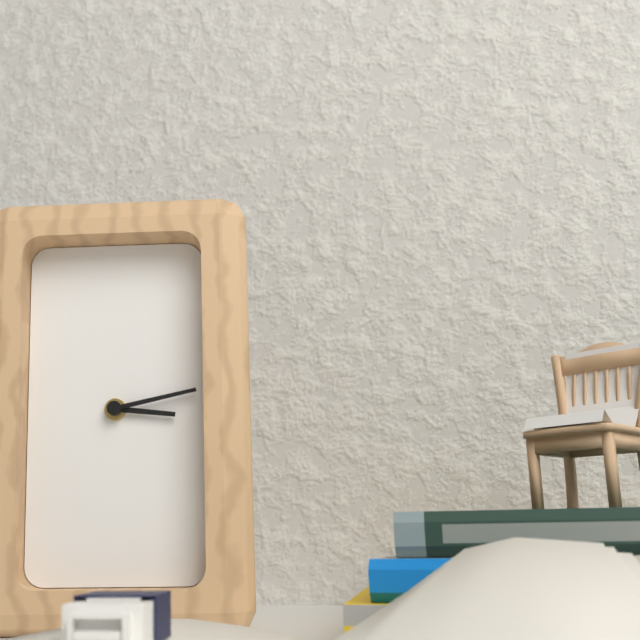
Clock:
3:13
